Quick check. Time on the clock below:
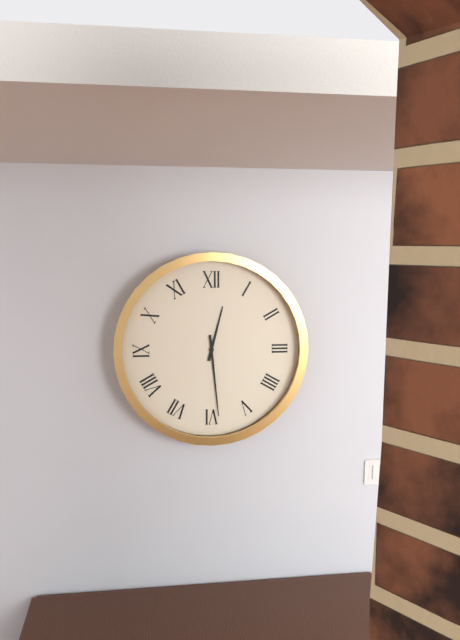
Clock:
12:29
